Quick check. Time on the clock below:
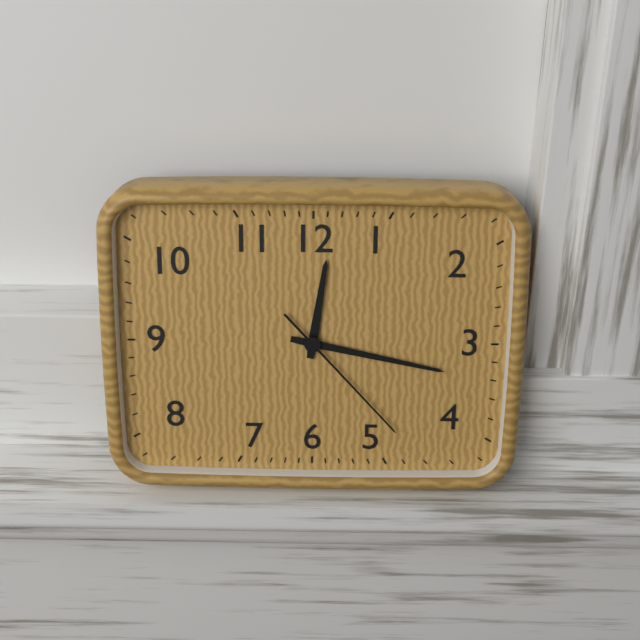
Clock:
12:17:23
